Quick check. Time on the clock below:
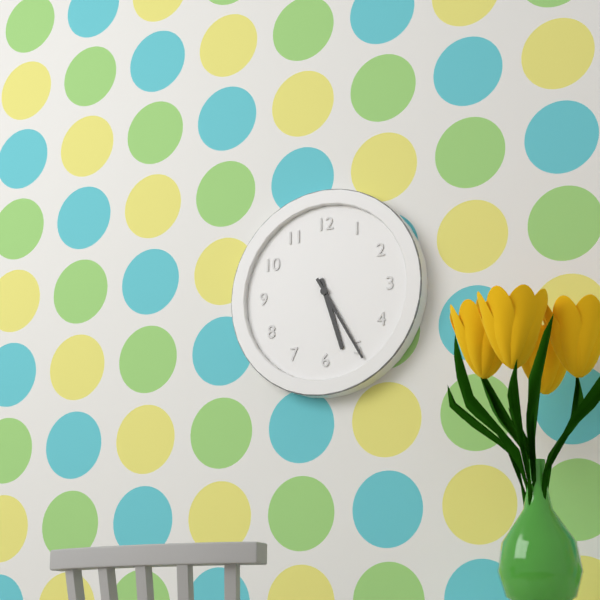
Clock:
5:25
